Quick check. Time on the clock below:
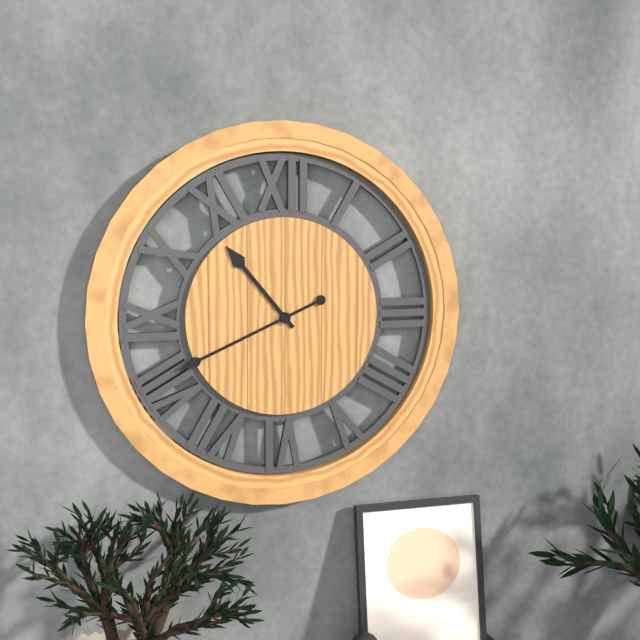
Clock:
10:41
